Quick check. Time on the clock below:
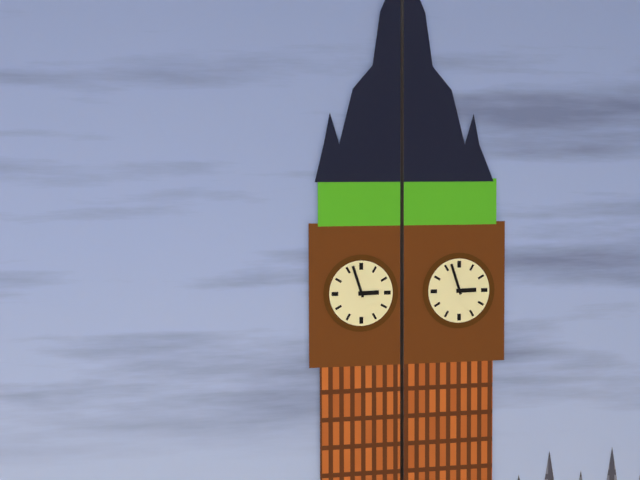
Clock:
2:57
